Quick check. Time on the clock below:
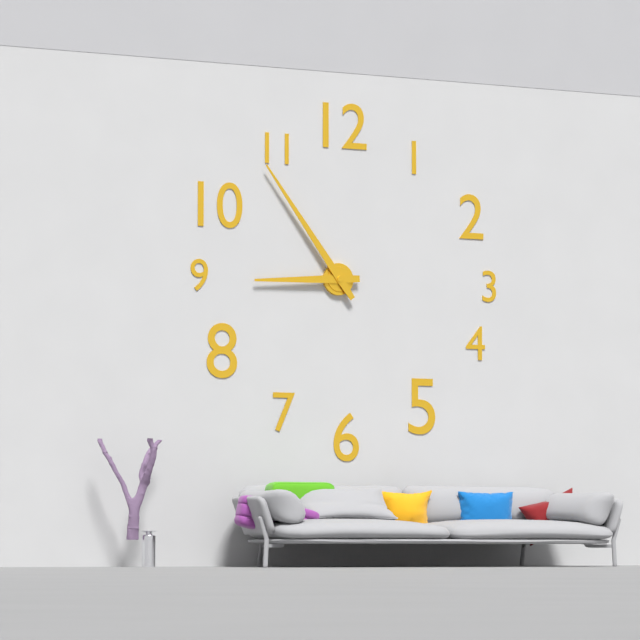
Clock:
8:54
